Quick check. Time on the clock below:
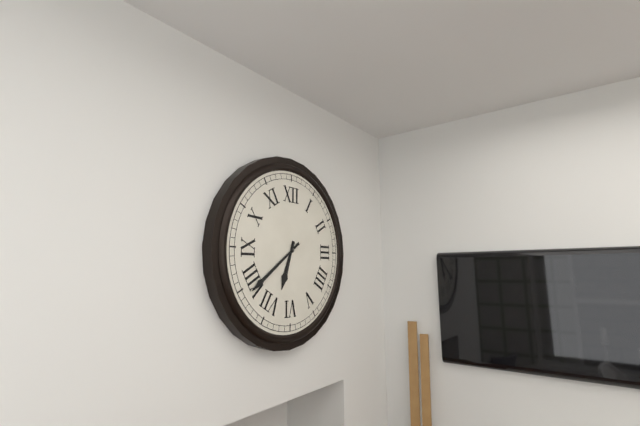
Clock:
6:39
